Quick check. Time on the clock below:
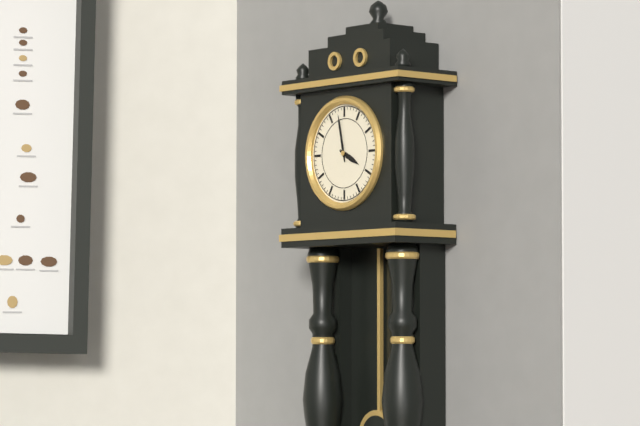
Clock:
3:58
